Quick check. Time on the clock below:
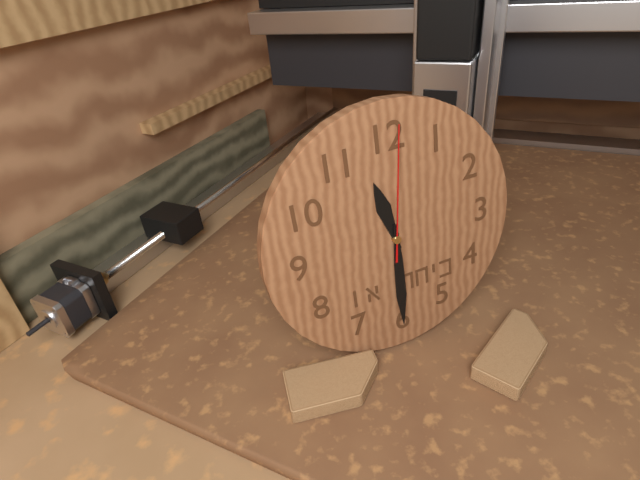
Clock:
11:30:01
